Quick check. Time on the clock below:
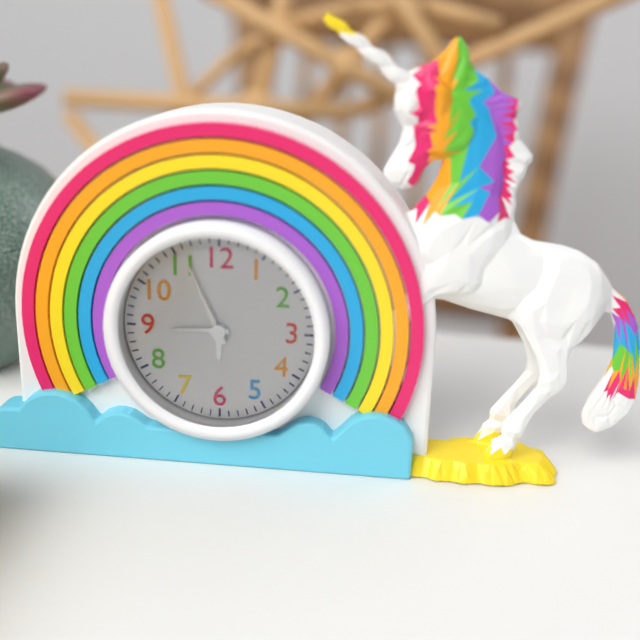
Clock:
8:56
